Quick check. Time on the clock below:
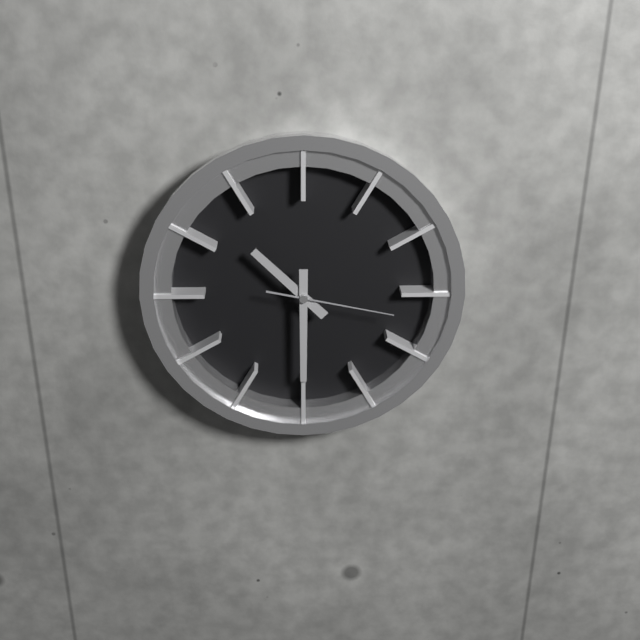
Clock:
10:30:17
